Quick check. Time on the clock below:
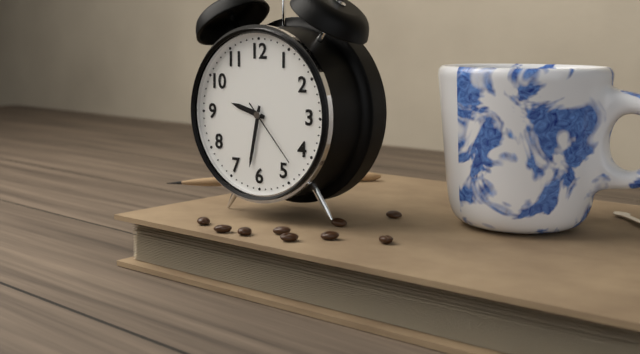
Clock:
9:32:23
